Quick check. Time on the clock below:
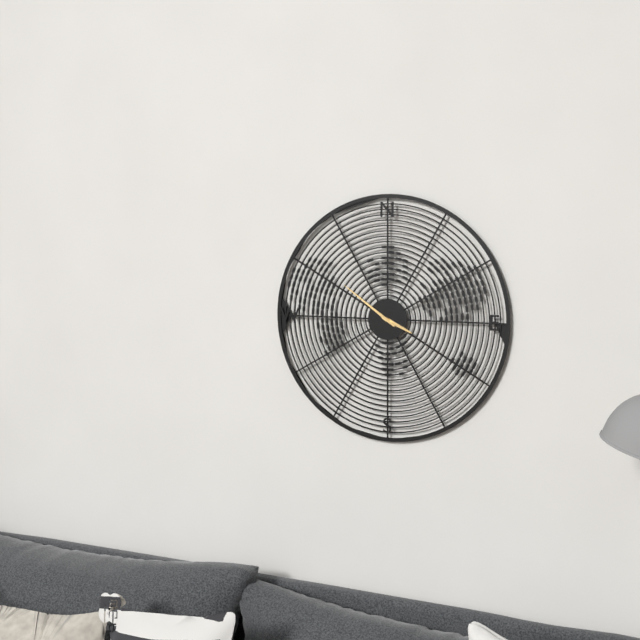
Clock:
3:51
